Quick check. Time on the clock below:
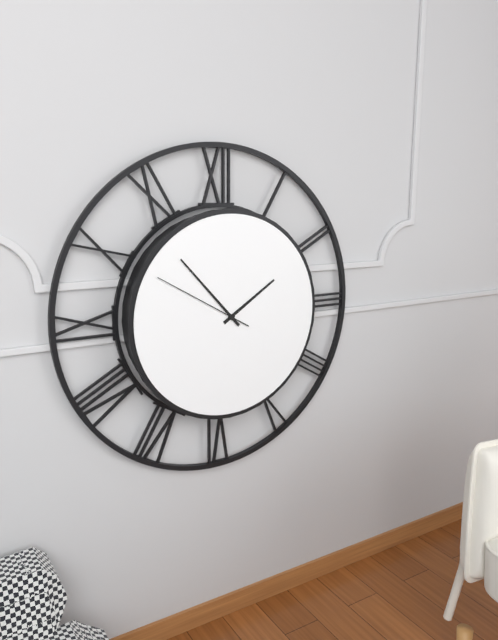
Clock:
1:53:50
